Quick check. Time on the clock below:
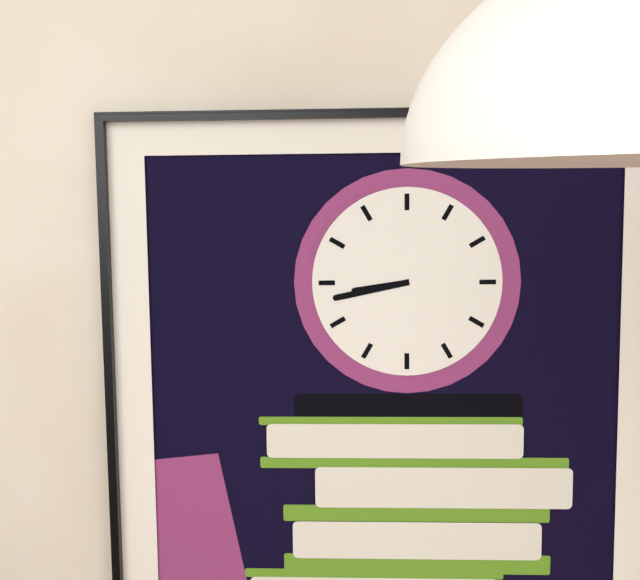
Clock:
8:43
